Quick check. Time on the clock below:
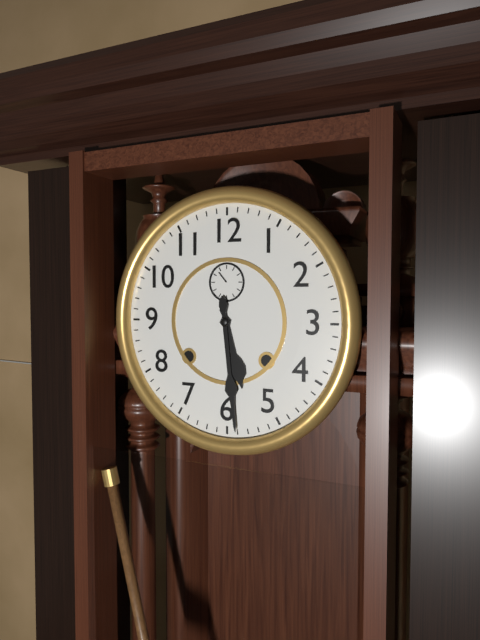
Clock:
5:29
